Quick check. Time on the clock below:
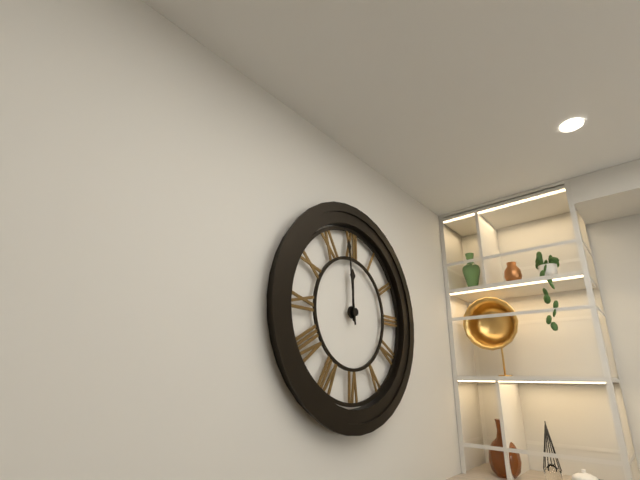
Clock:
11:59
